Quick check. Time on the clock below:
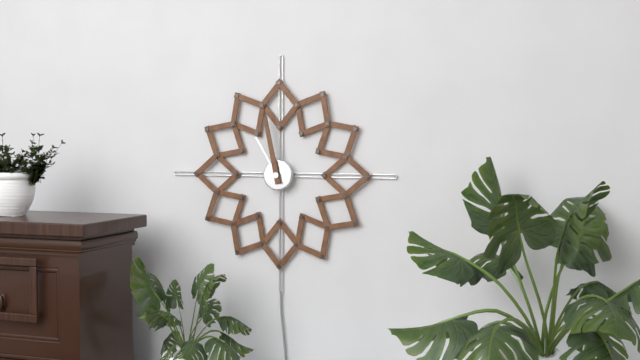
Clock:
10:58
